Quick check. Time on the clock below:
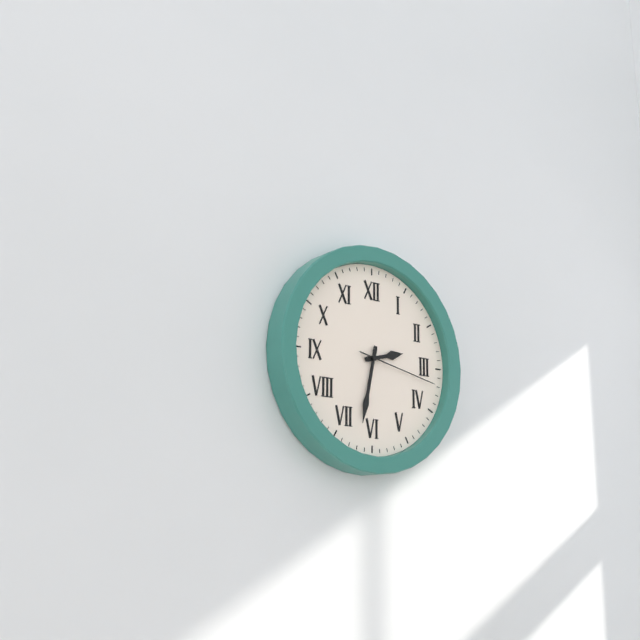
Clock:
2:32:17
